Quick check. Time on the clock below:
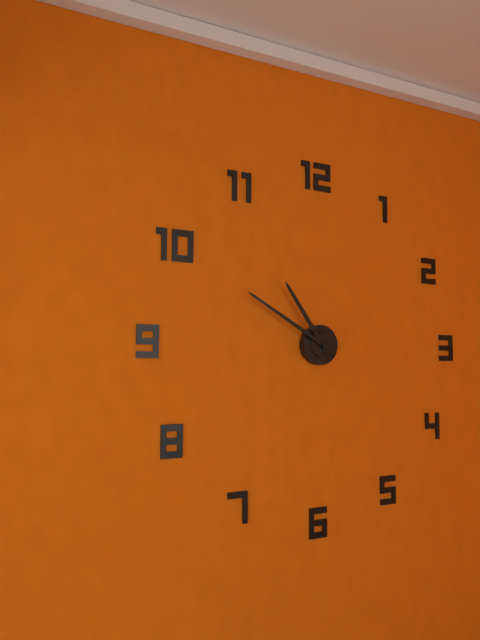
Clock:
10:50
